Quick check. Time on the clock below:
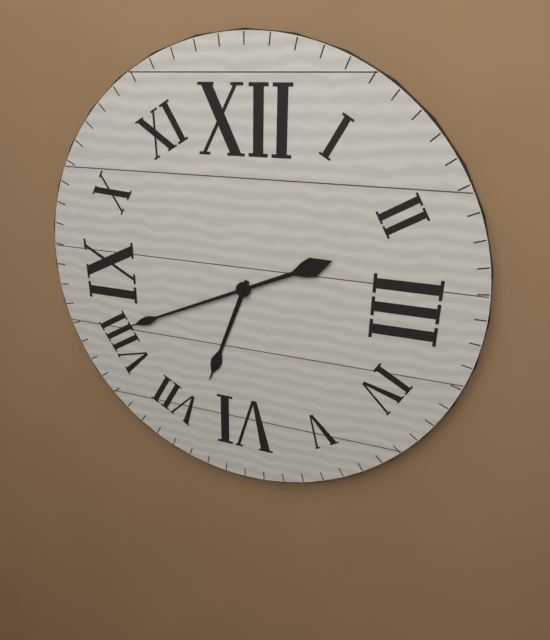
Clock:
6:41
